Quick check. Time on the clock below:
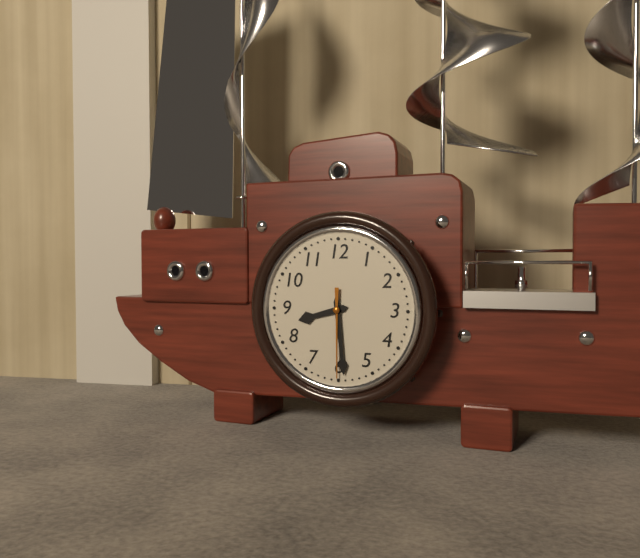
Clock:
8:29:30
